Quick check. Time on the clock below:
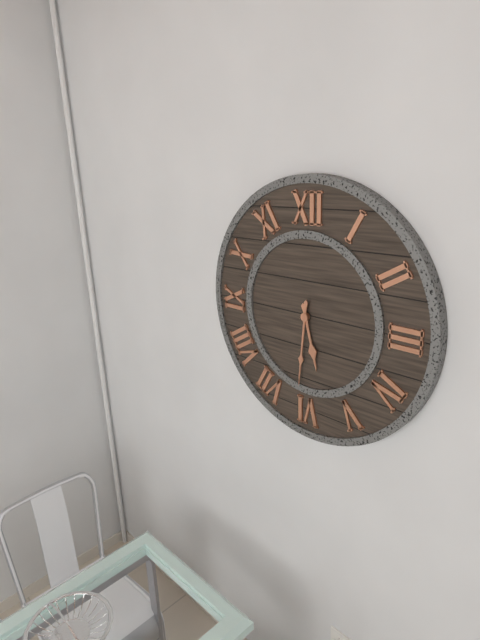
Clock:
5:31
